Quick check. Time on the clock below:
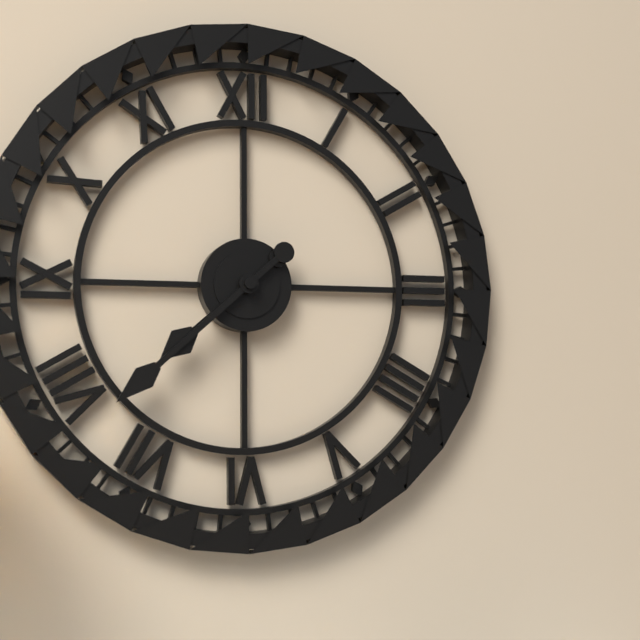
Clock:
7:38
